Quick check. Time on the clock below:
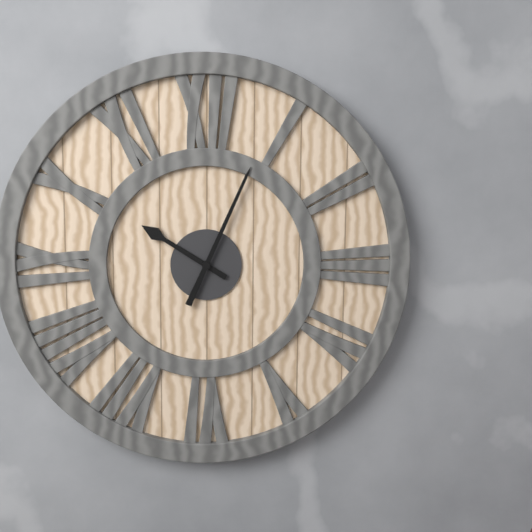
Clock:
10:04
